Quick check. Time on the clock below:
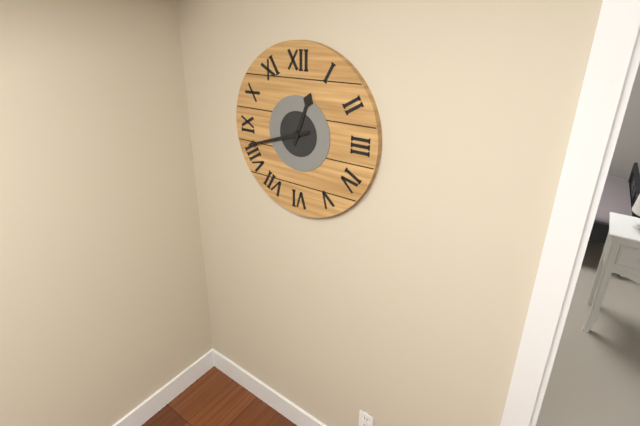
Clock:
12:42
